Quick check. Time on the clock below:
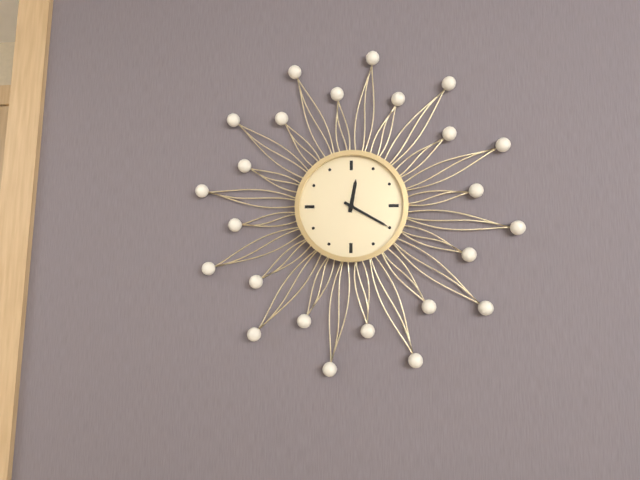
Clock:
12:20
